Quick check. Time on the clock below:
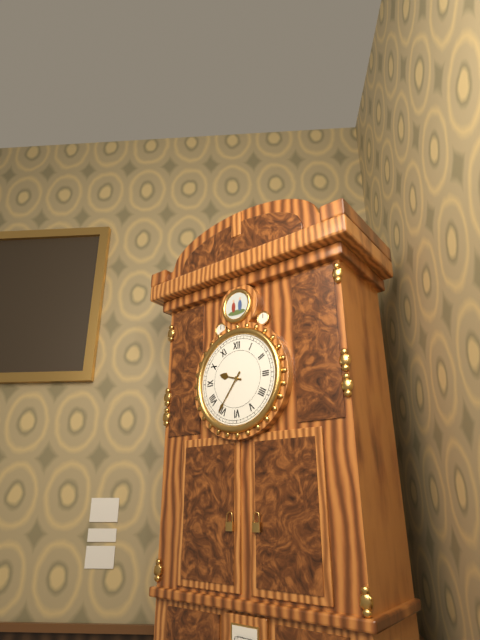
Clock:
9:36
